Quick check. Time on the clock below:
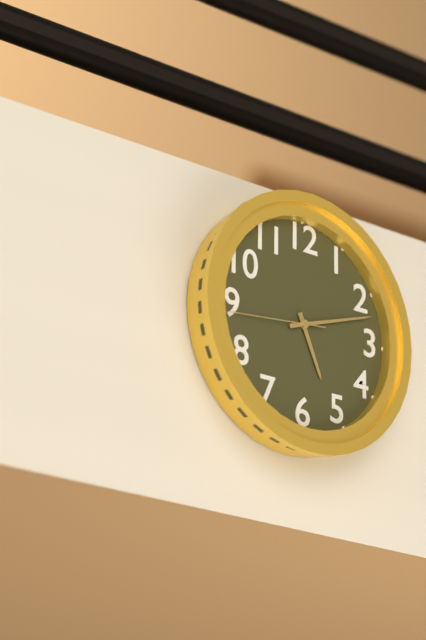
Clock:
5:12:44
